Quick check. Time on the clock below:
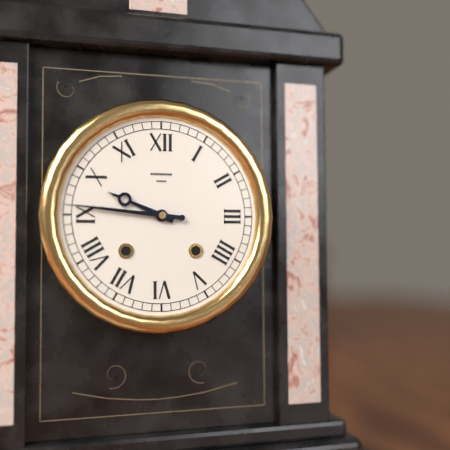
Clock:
9:46
